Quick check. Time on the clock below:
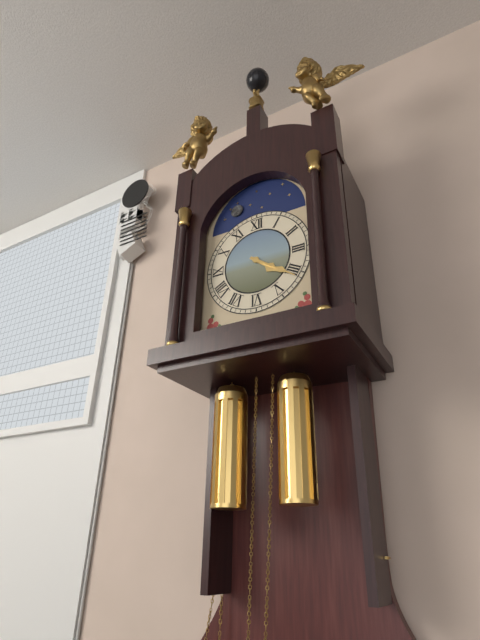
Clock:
4:21
